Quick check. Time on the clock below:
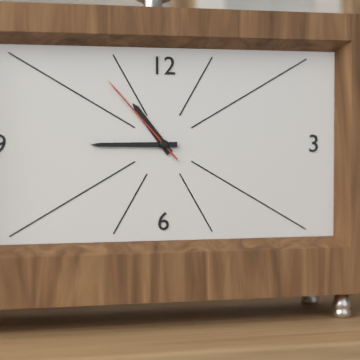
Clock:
10:45:53
